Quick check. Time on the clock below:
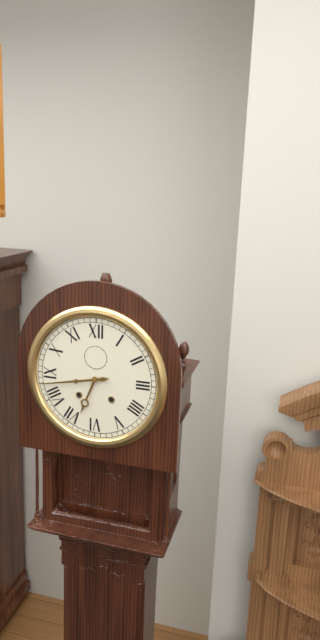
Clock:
6:43
